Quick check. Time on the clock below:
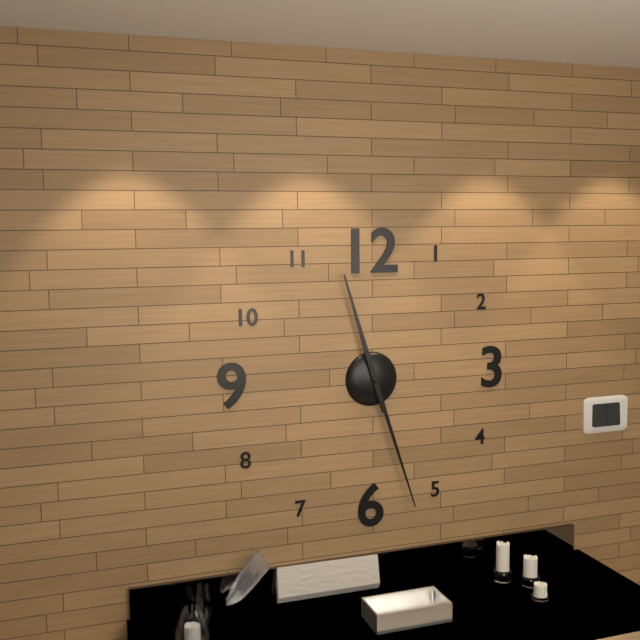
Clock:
11:27
